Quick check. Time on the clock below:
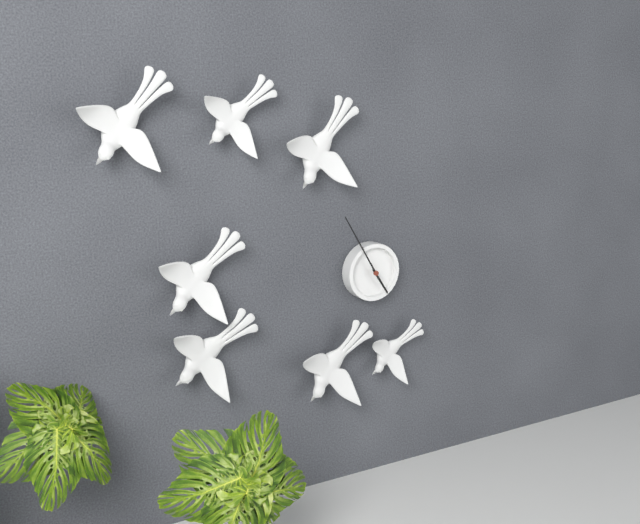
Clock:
4:55
